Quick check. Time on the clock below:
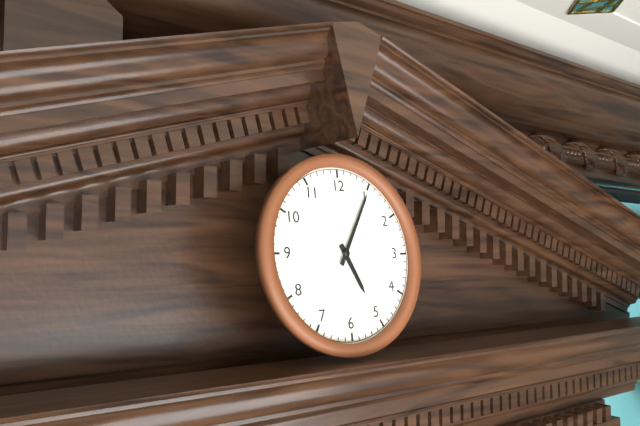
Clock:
5:05
